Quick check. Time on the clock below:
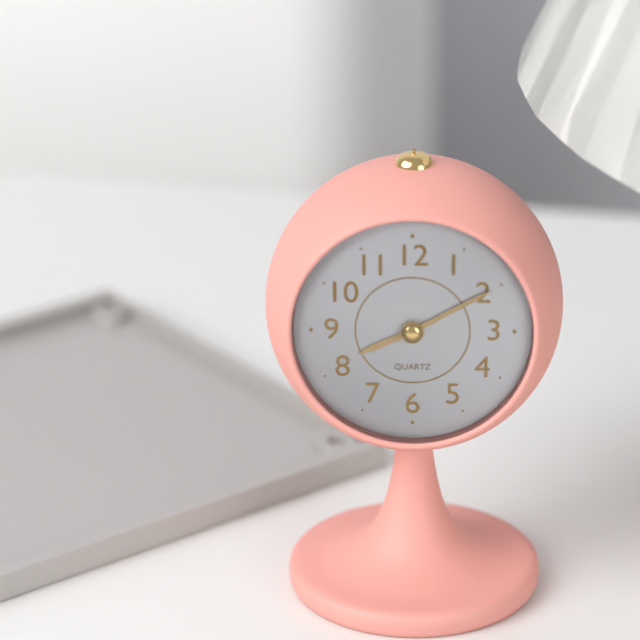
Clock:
8:10
